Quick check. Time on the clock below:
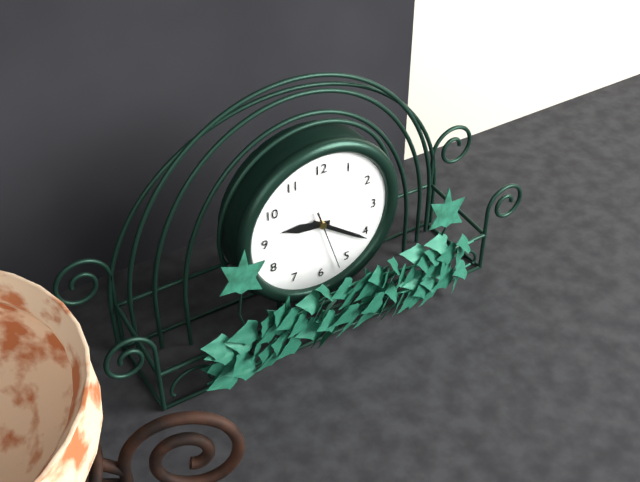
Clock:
9:21:27
